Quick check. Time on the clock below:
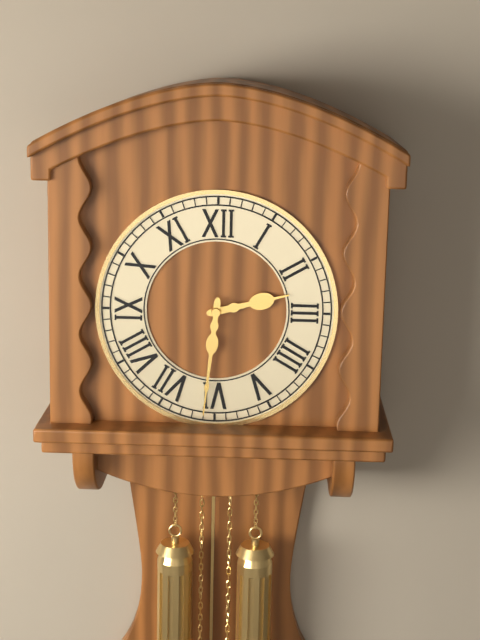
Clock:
2:31
